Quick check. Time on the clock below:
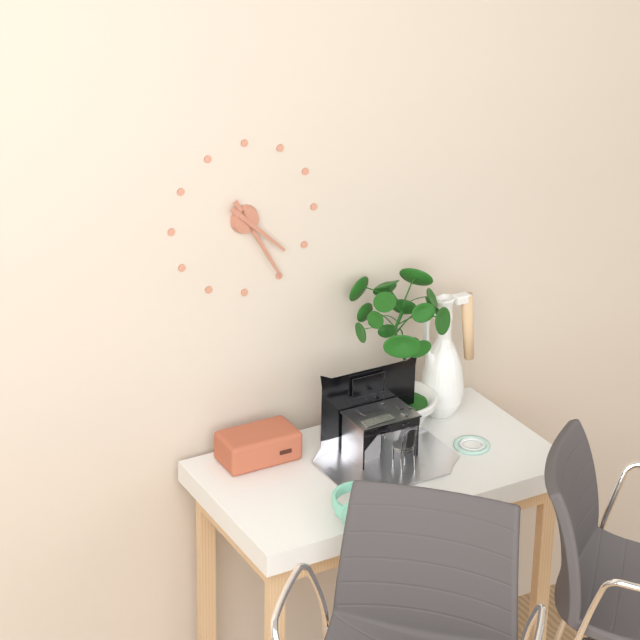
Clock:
4:25
